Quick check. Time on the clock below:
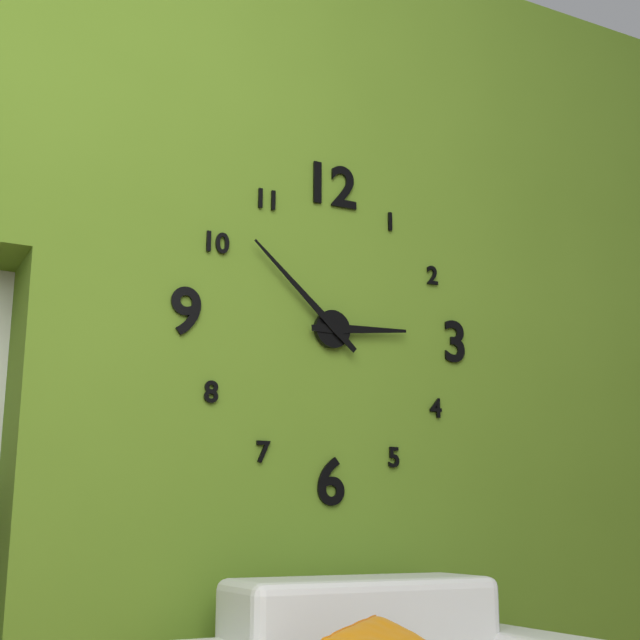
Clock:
2:52
